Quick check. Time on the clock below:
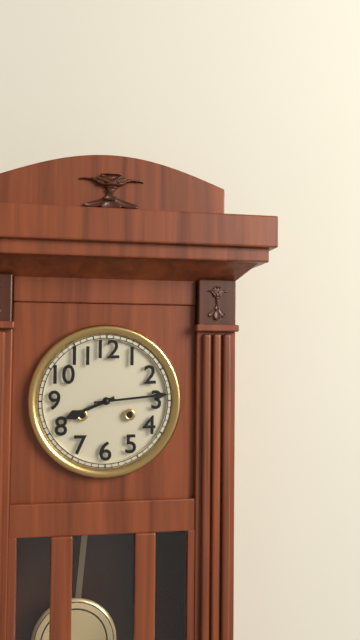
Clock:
8:14
